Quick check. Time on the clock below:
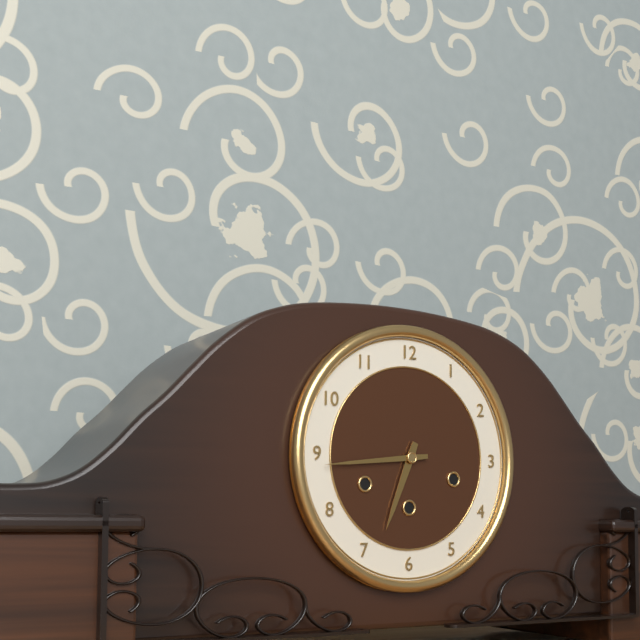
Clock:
6:44
